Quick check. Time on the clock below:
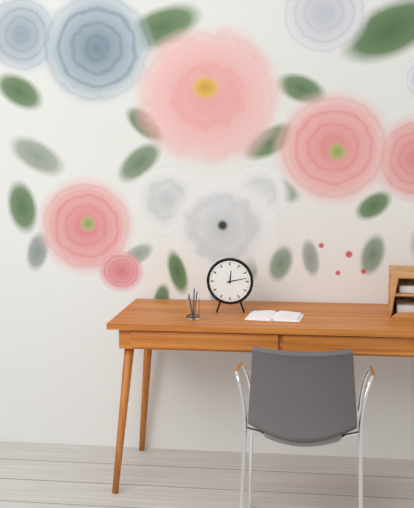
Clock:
12:13
